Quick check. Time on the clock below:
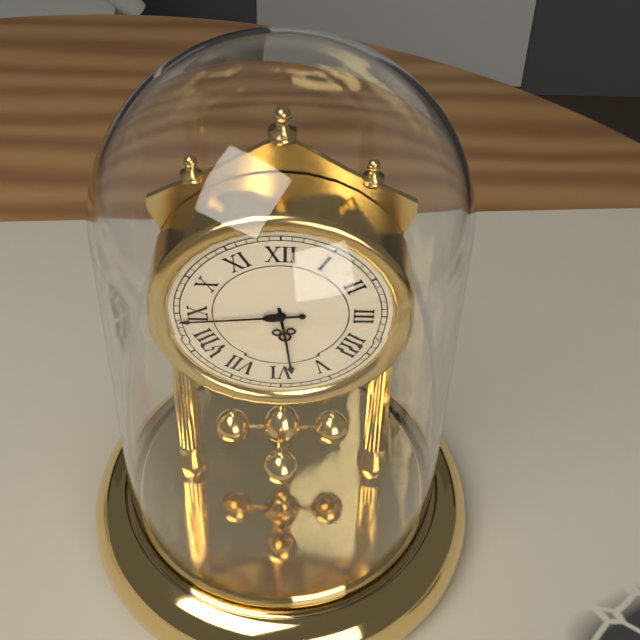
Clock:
5:44
